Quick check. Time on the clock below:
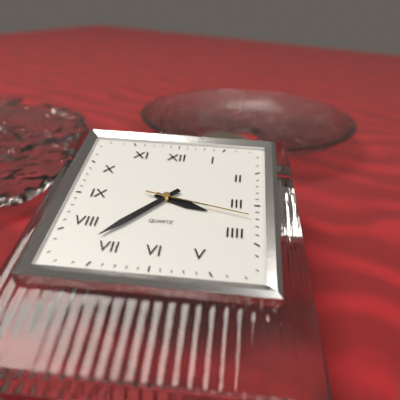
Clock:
3:37:17
